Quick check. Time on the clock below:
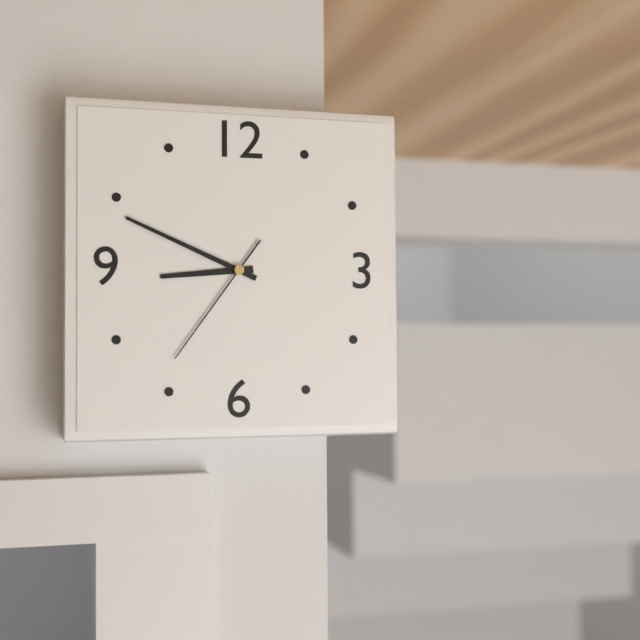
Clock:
8:49:36
